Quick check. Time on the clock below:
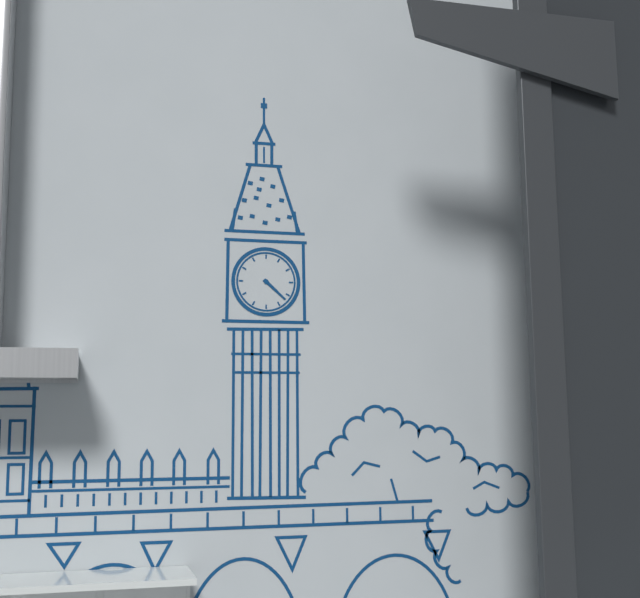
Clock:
4:22
